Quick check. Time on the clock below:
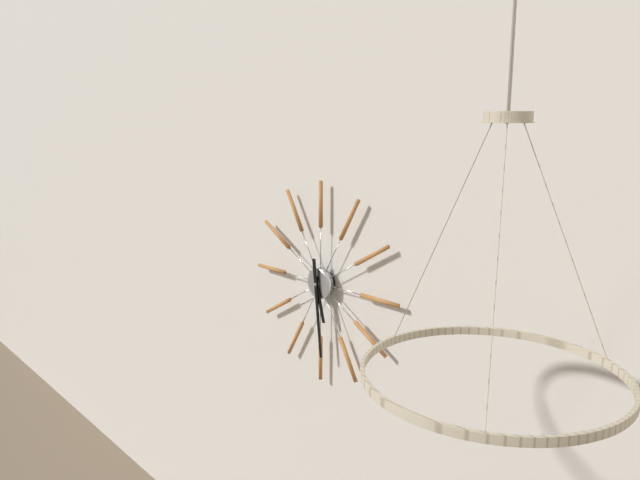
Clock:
5:29
